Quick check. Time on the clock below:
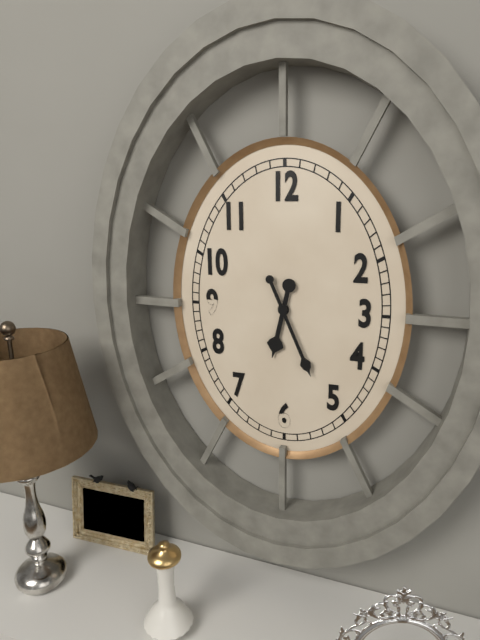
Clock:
6:26
